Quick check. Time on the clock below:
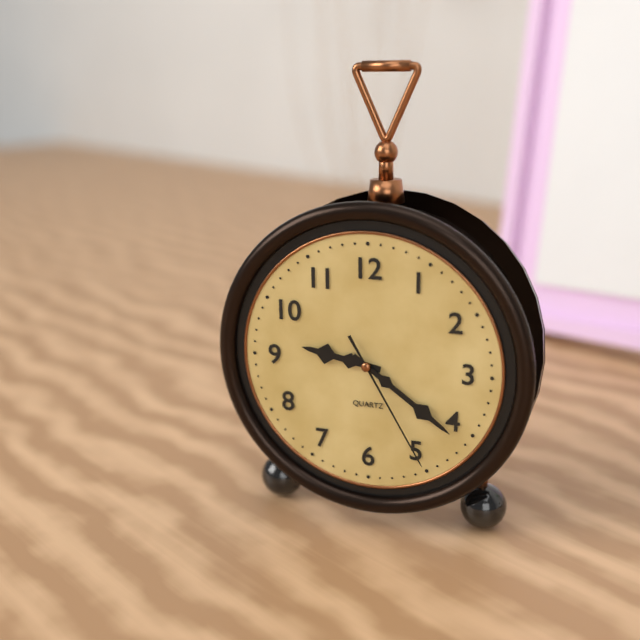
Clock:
9:21:25
